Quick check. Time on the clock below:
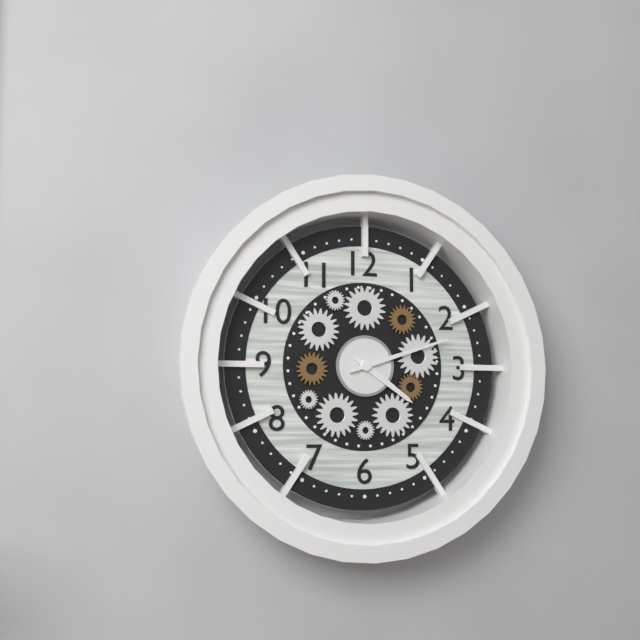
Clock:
4:12
